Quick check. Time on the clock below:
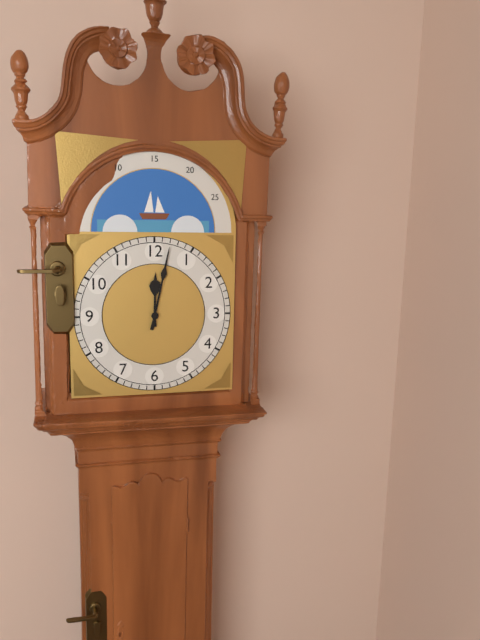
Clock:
12:02
